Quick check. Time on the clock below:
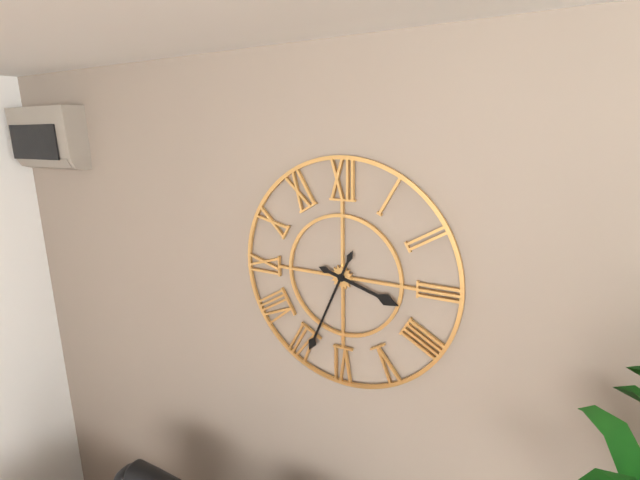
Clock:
3:34
